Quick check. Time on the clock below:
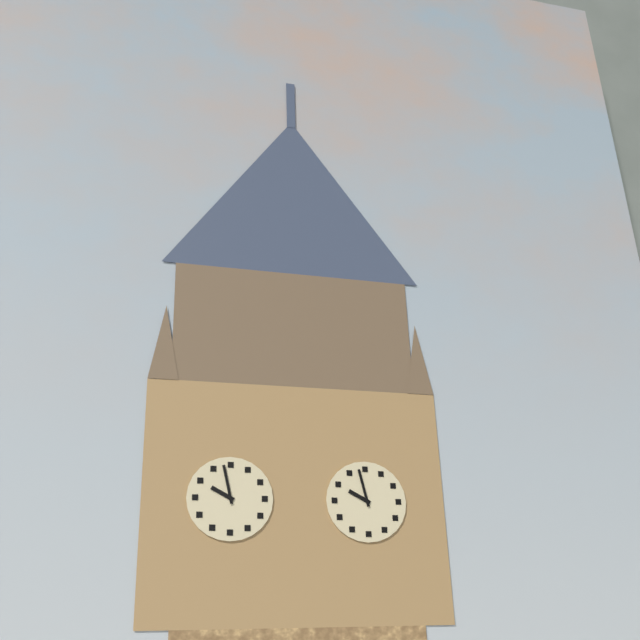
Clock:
9:58
